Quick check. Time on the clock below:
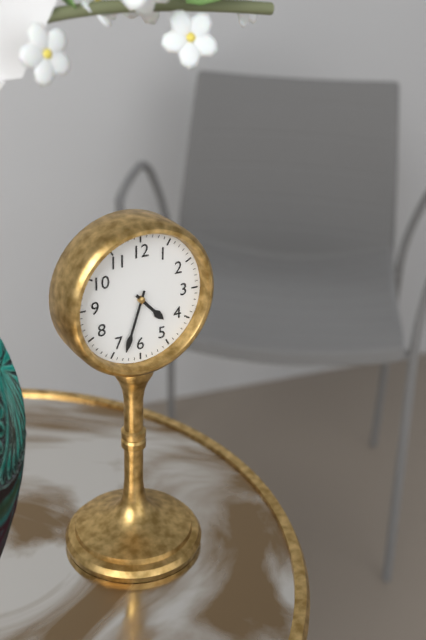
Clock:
4:33
